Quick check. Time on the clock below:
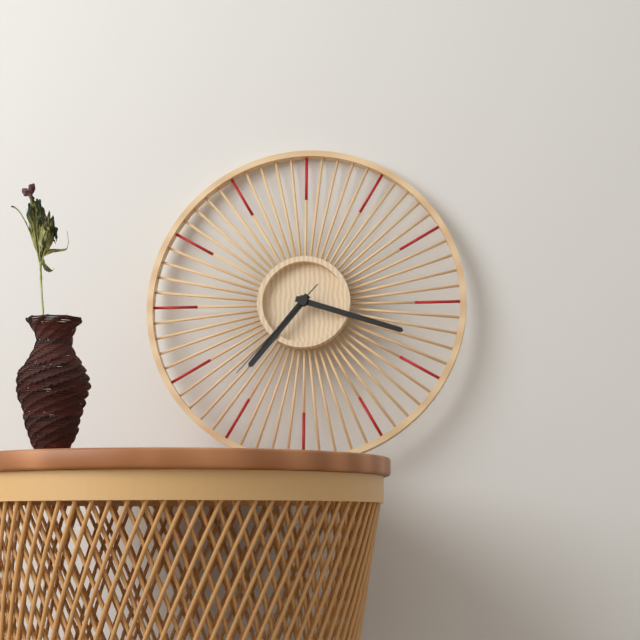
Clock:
7:18:37
